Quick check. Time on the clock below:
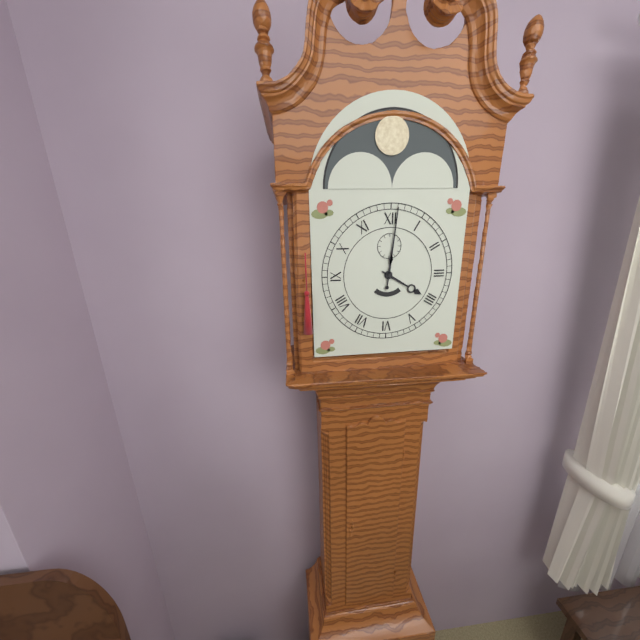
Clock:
4:01
